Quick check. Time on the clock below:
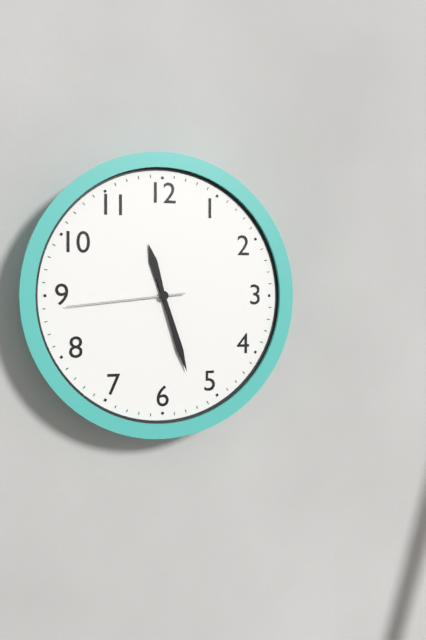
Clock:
11:27:44
